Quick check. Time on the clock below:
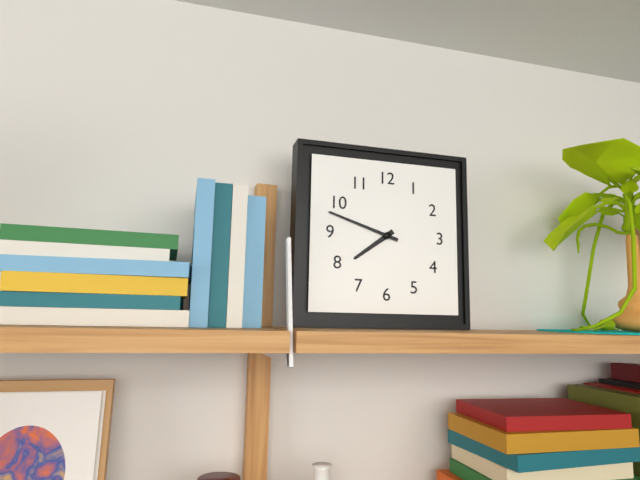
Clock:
7:48
